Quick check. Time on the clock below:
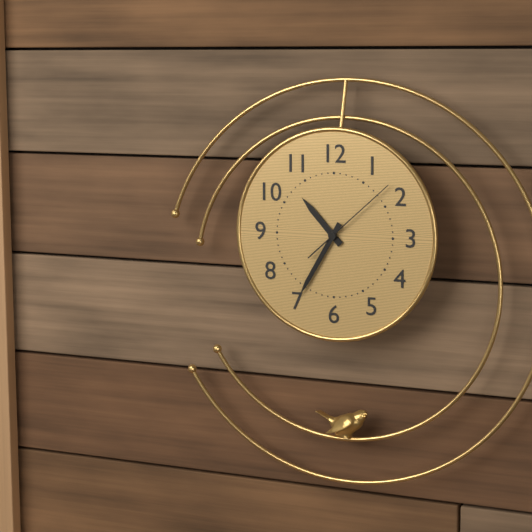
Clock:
10:35:08
